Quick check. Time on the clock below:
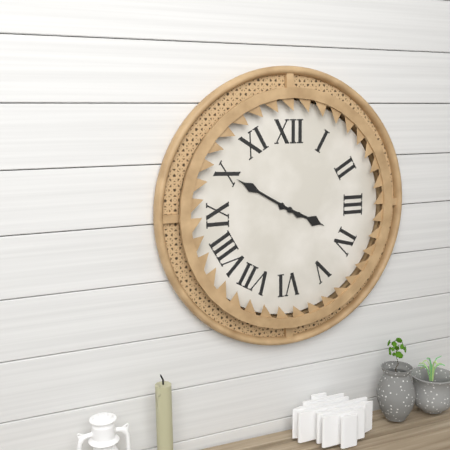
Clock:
3:50
